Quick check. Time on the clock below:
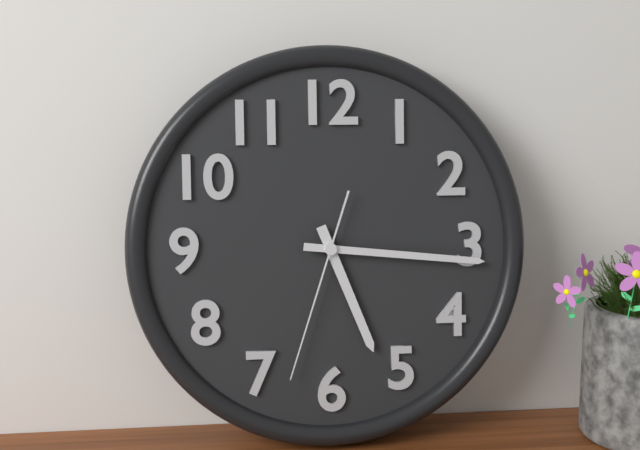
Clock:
5:16:33
